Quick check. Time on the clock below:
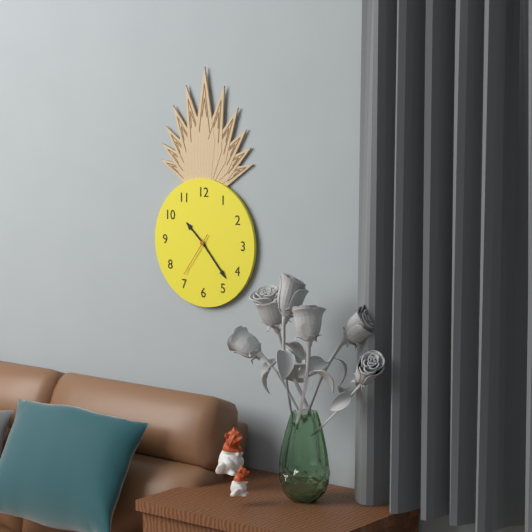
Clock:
10:23
